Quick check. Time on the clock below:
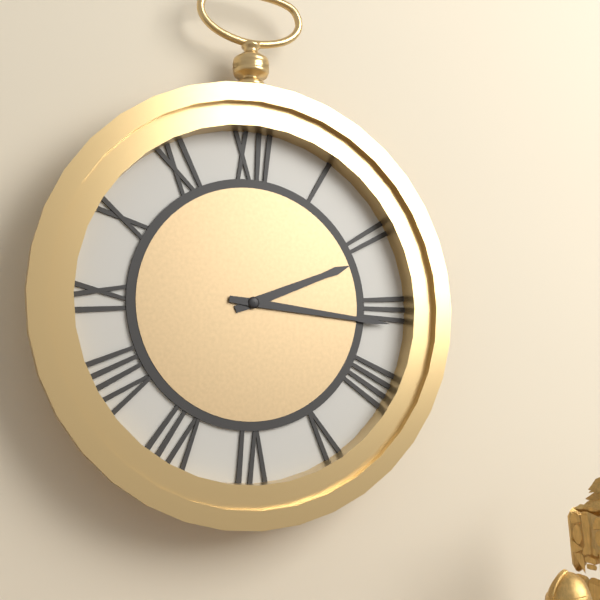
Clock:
2:16
